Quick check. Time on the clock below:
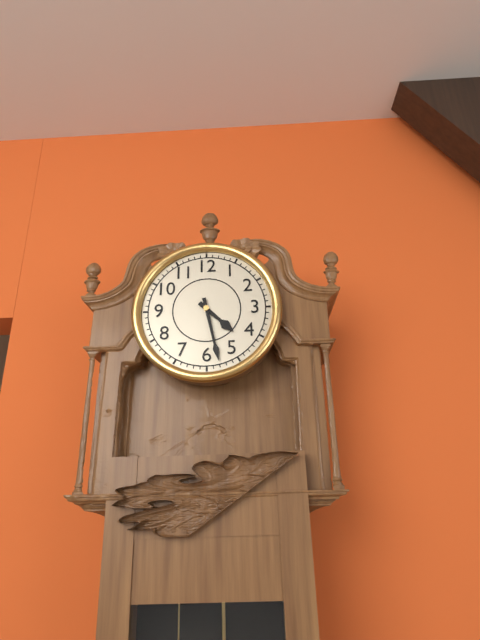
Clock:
4:28
